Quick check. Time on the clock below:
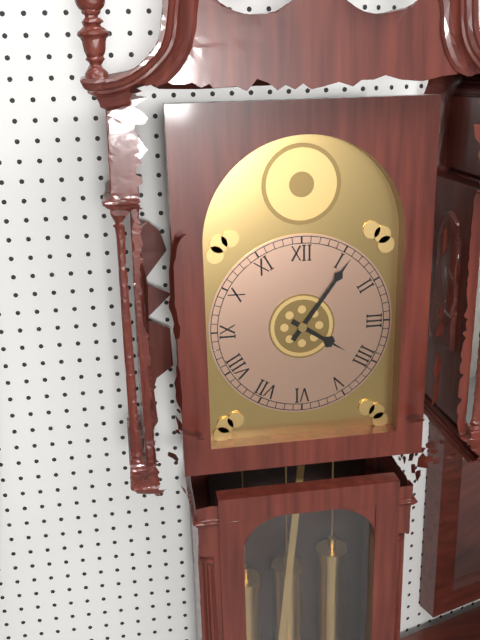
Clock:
4:06
